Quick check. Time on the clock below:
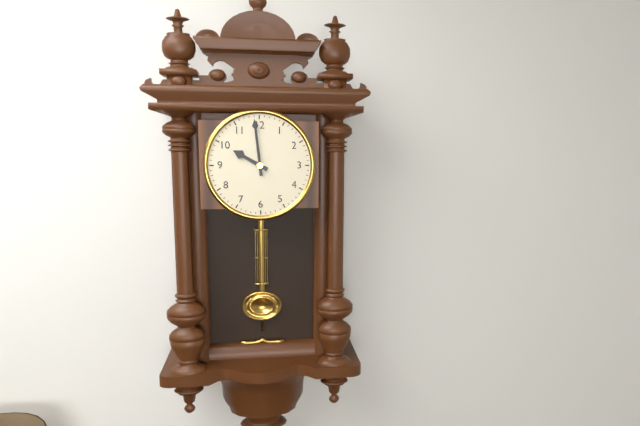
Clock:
9:59
